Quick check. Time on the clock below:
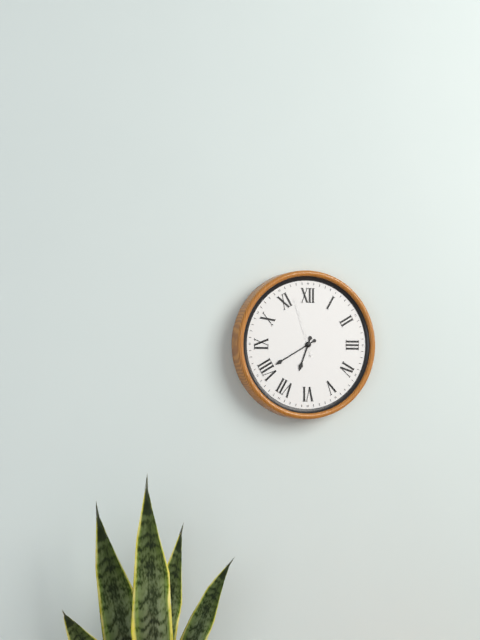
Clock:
6:40:57
